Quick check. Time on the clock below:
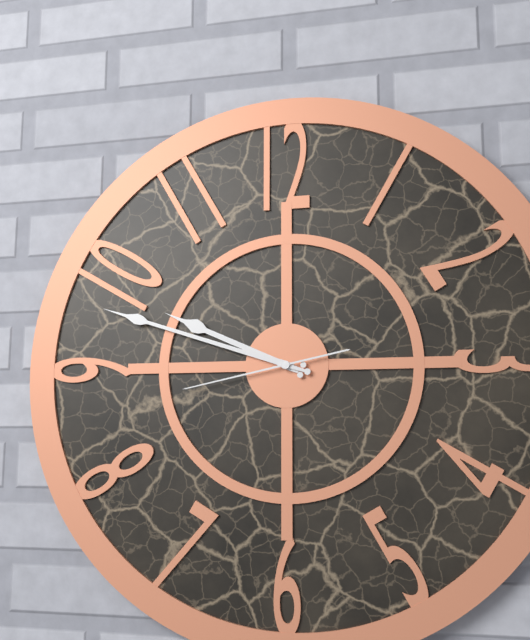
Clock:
9:48:43
